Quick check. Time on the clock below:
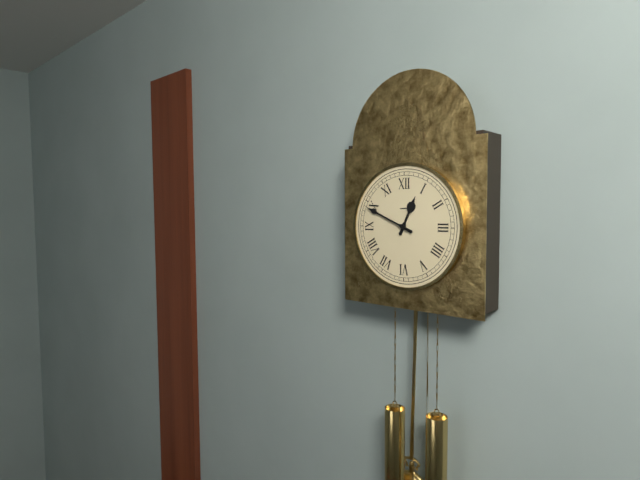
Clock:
12:49
